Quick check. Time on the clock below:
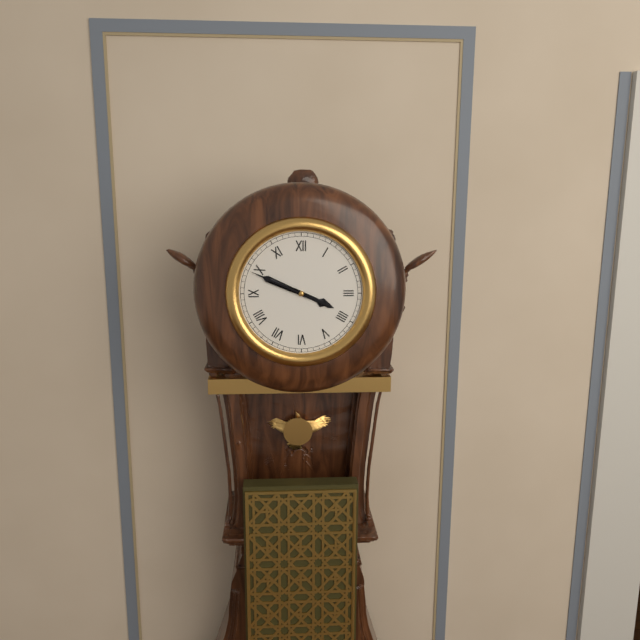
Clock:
3:49
